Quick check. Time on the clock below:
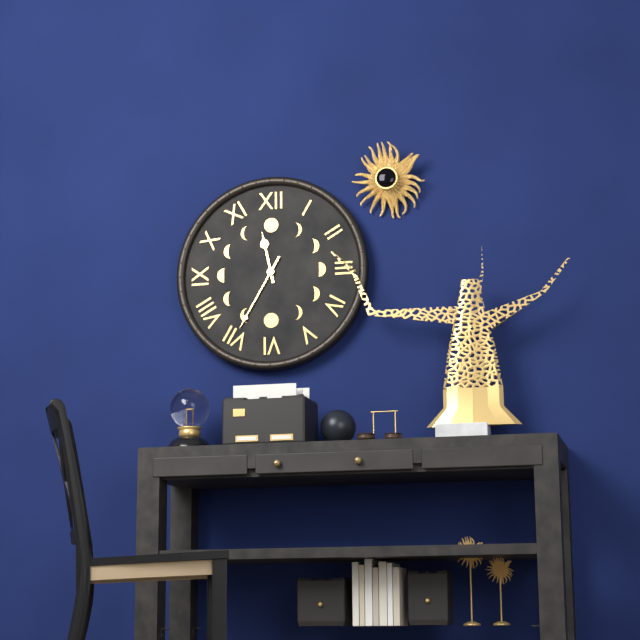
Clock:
11:35
